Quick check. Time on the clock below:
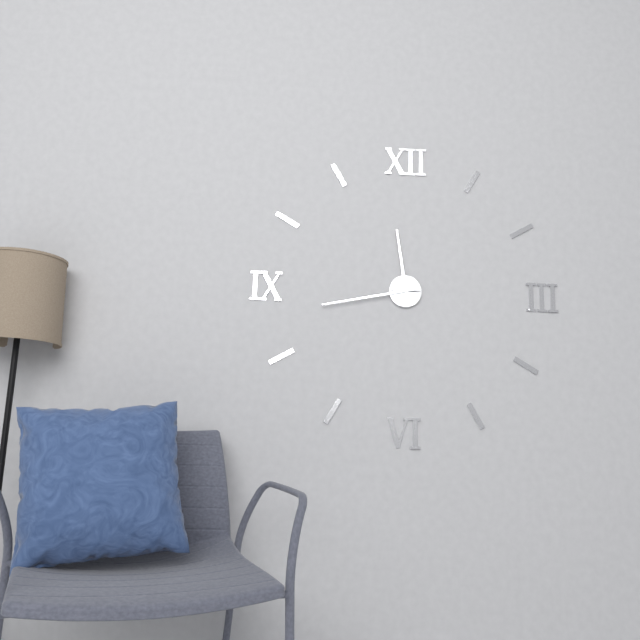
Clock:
11:43
